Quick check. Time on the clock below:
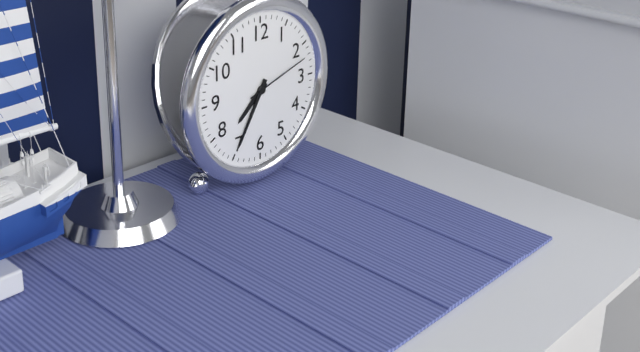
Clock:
7:35:12
